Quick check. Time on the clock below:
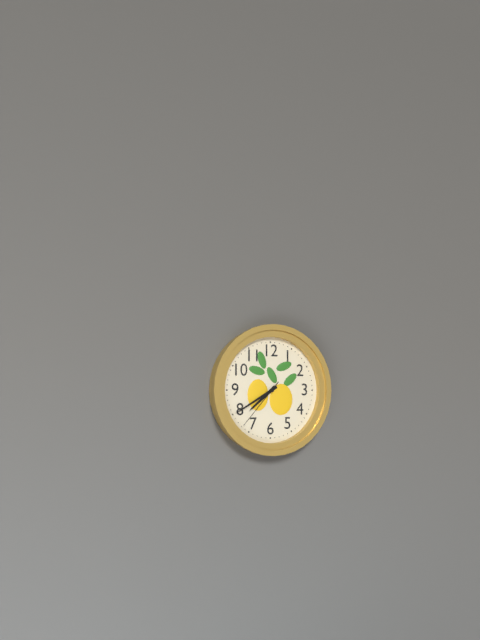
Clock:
7:40:37
